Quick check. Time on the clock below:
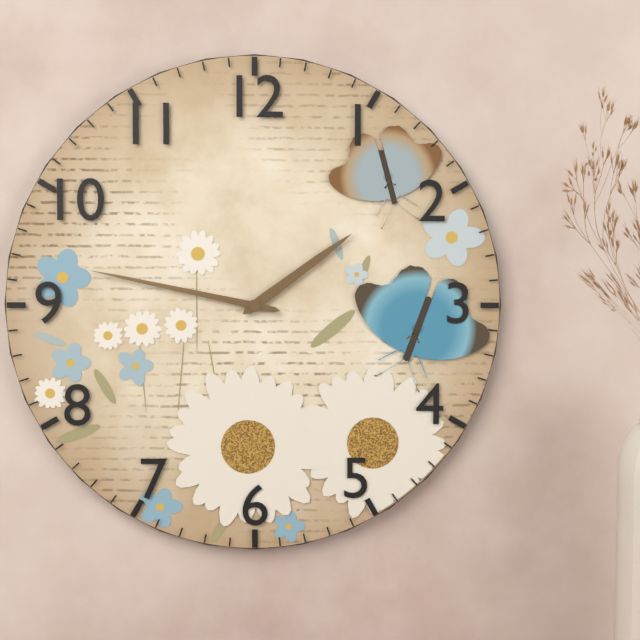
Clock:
1:47
